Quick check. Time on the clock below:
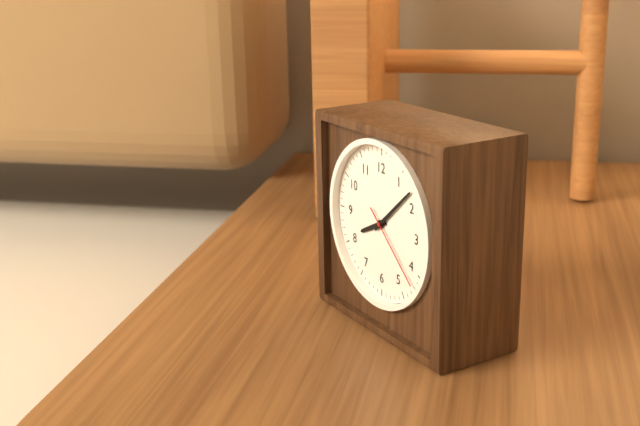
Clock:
8:08:22
